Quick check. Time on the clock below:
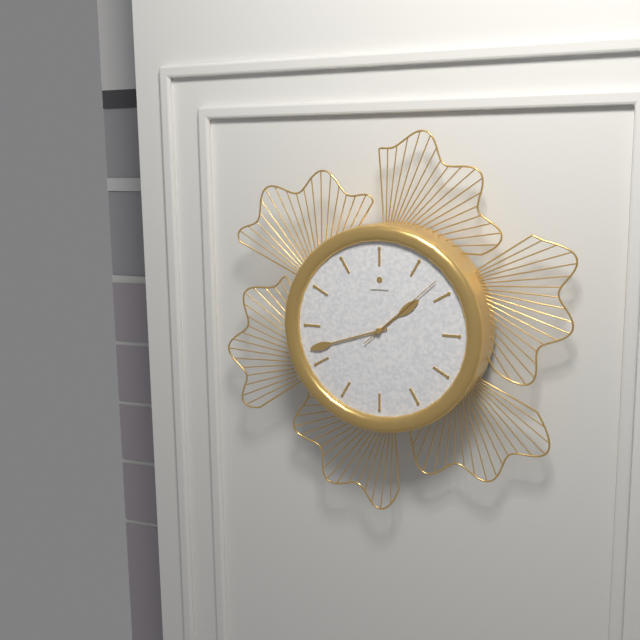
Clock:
1:42:08
